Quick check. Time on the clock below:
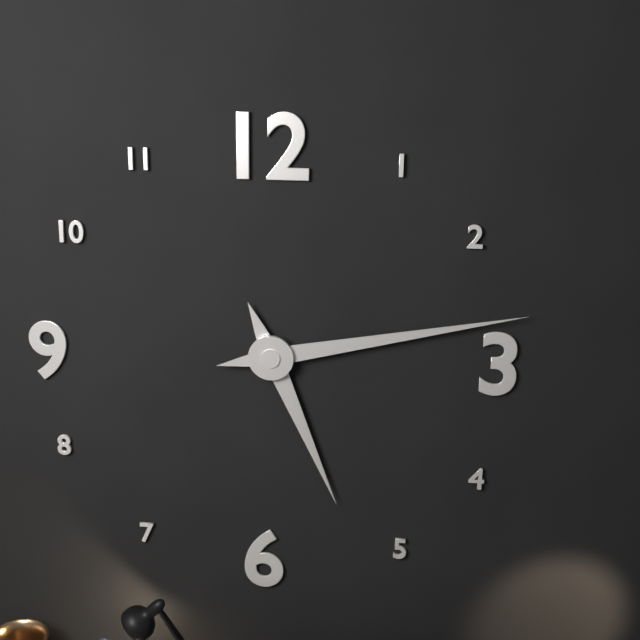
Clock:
5:13
